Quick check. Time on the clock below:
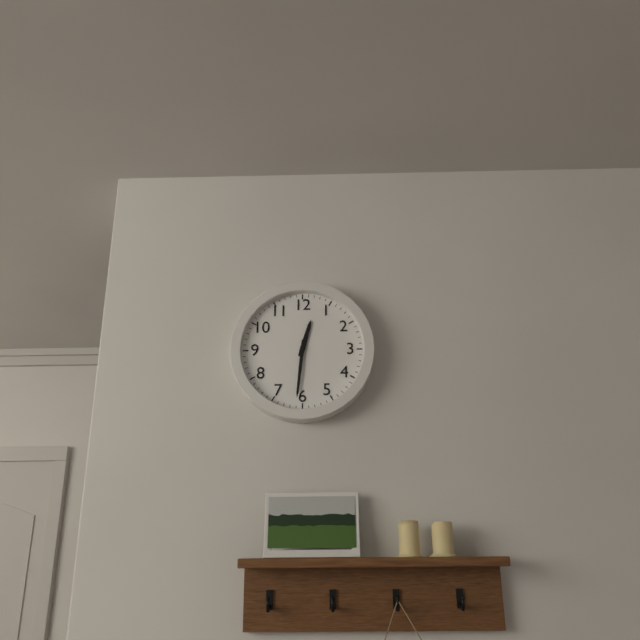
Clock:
12:31
